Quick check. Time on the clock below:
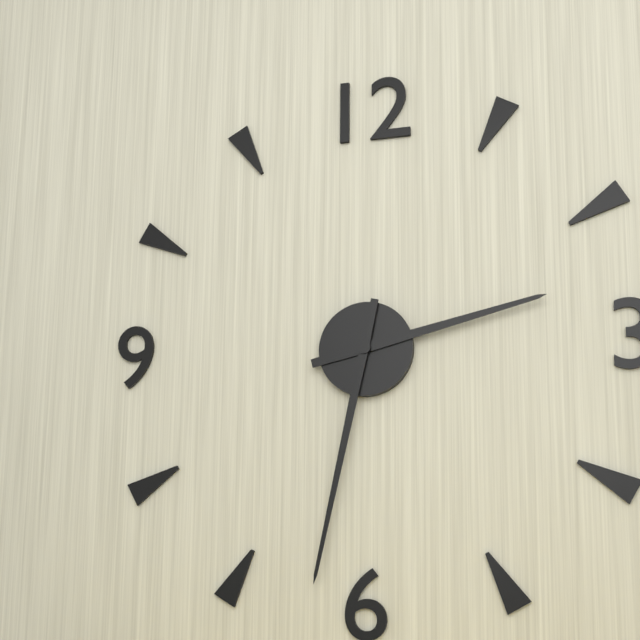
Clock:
2:32
